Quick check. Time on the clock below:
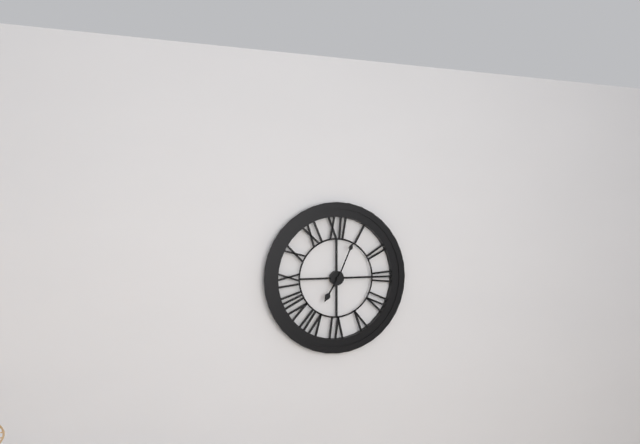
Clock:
7:04
